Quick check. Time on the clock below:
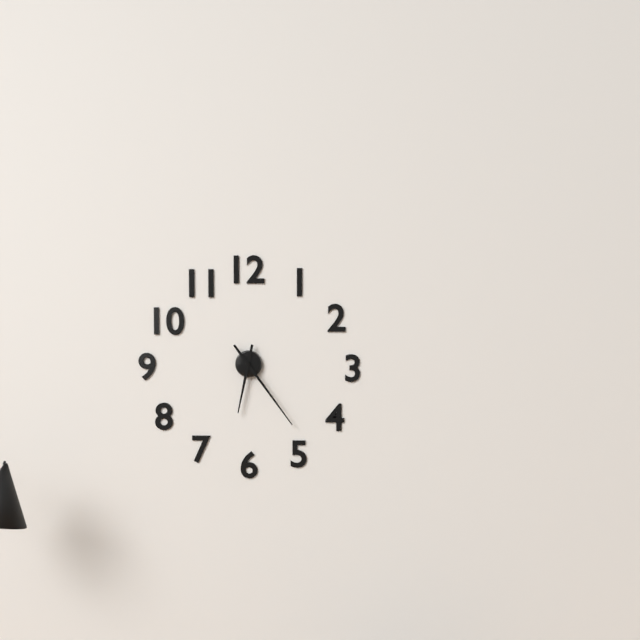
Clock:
6:24
